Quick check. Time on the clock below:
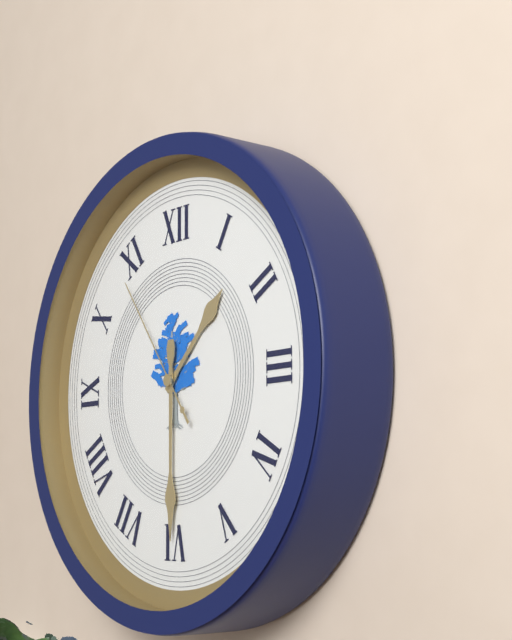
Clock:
1:30:54
